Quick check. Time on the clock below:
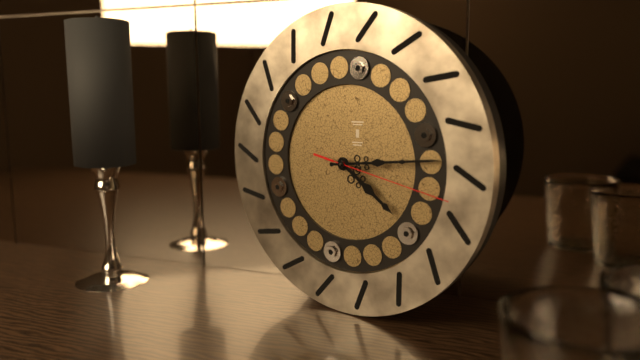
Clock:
4:14:17
